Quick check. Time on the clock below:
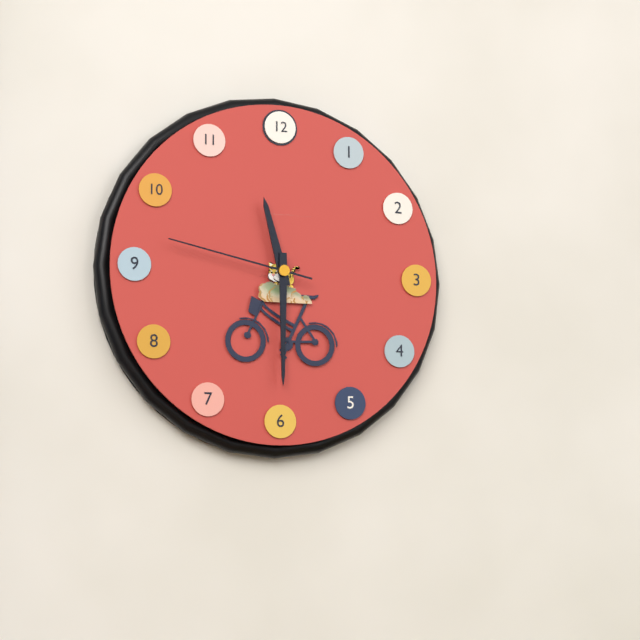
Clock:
11:30:47
